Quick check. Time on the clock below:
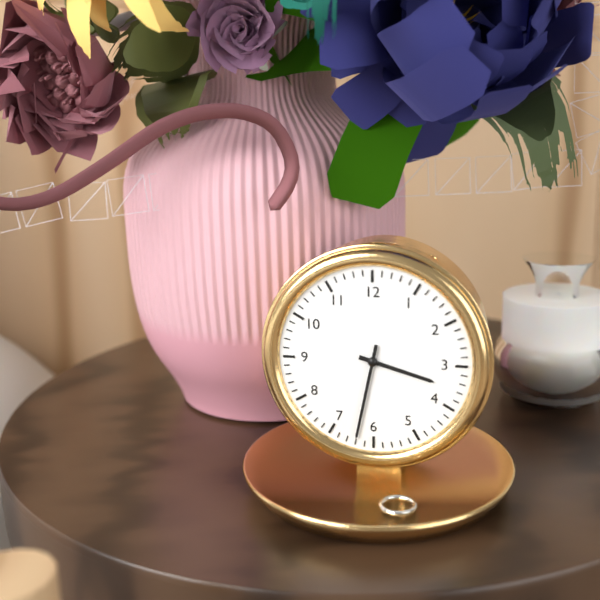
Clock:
3:32
